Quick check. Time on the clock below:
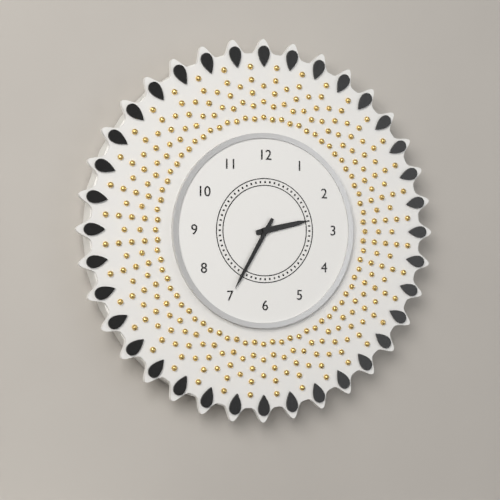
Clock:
2:35
